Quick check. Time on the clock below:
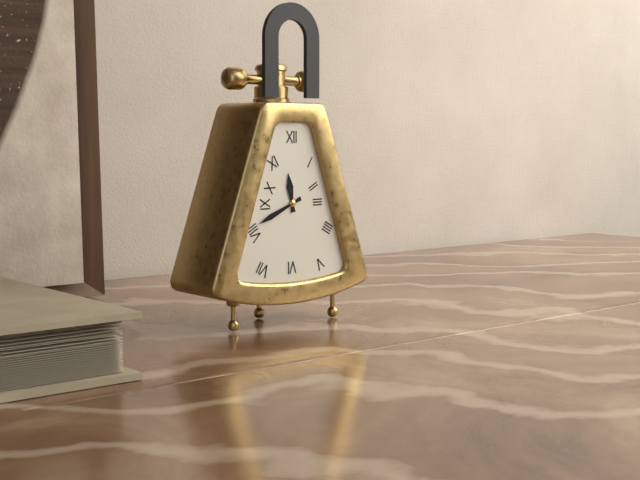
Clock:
11:41
